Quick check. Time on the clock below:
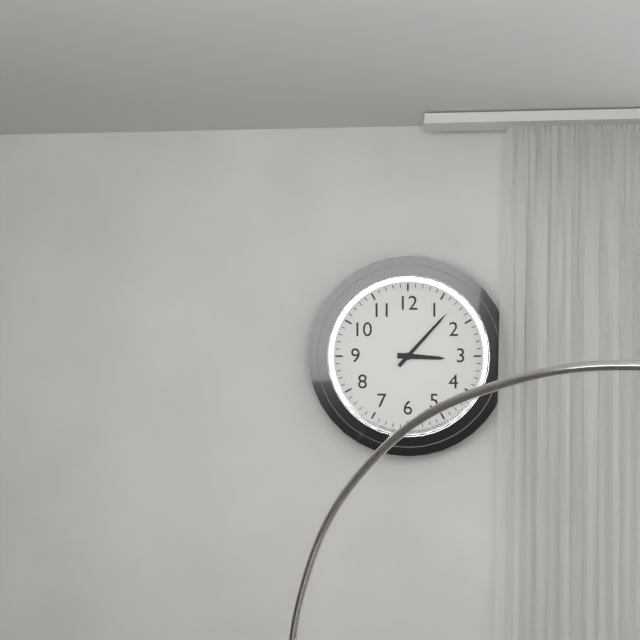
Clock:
3:07
